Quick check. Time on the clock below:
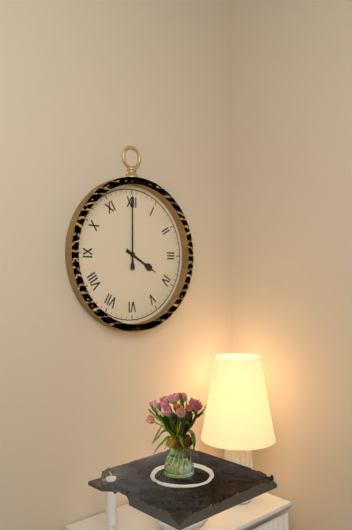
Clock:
4:00
